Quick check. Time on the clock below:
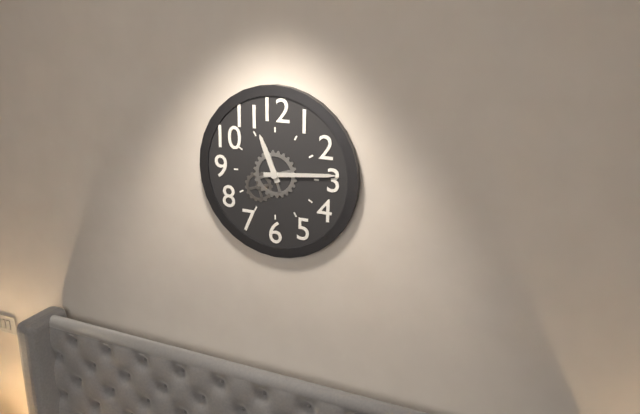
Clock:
11:14
